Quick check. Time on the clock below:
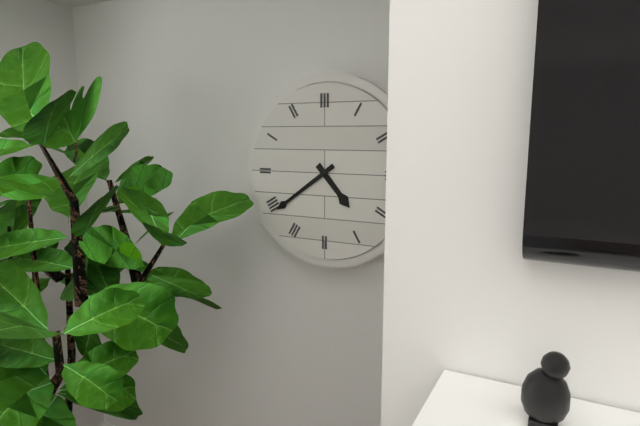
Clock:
4:39
